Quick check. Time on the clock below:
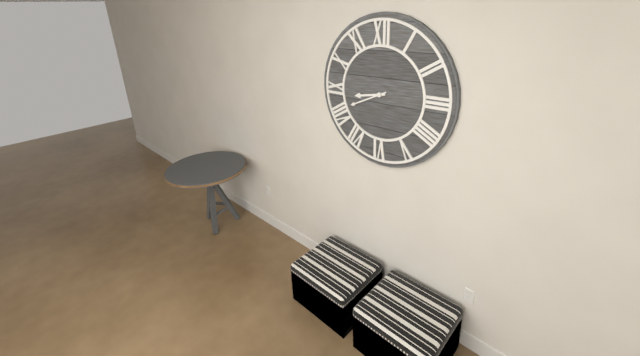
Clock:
8:41
